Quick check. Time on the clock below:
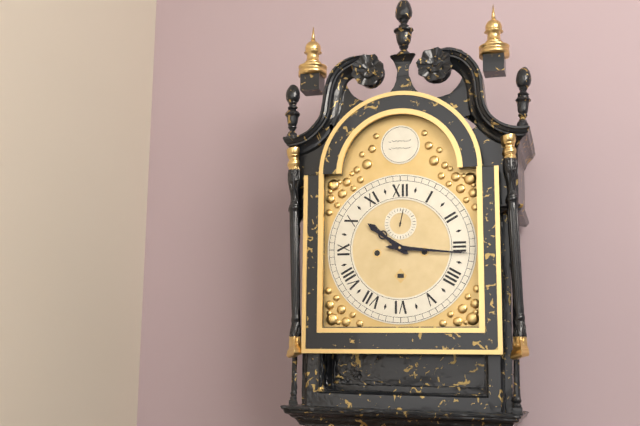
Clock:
10:16
